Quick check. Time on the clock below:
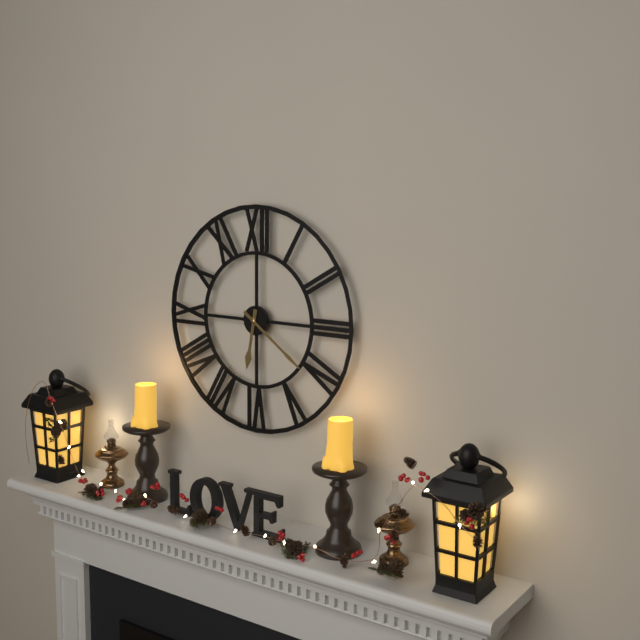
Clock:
6:21
